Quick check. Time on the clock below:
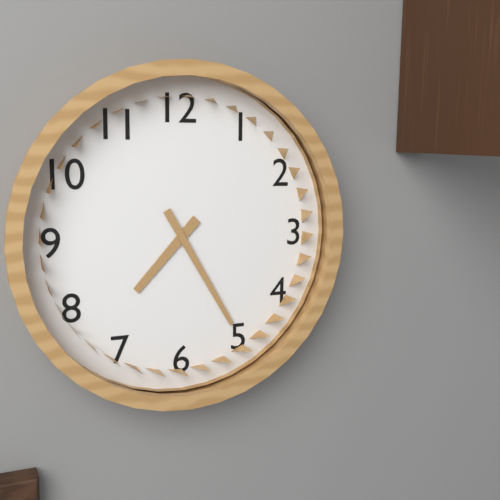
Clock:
7:25
